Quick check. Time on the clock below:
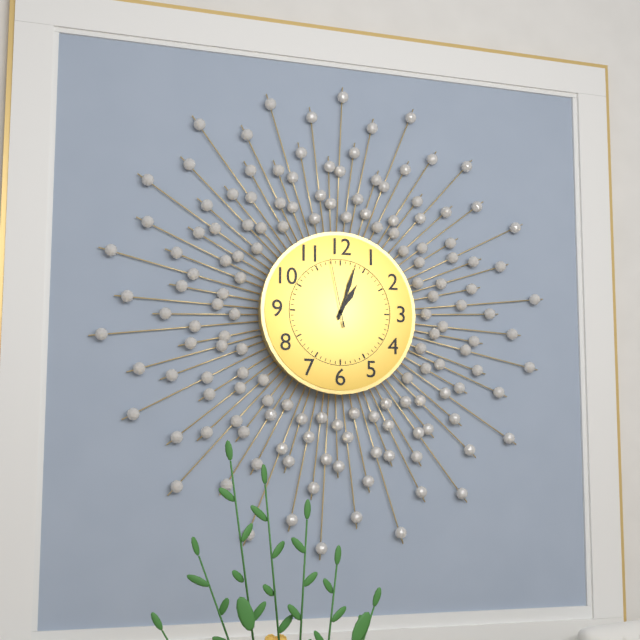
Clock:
1:03:58
